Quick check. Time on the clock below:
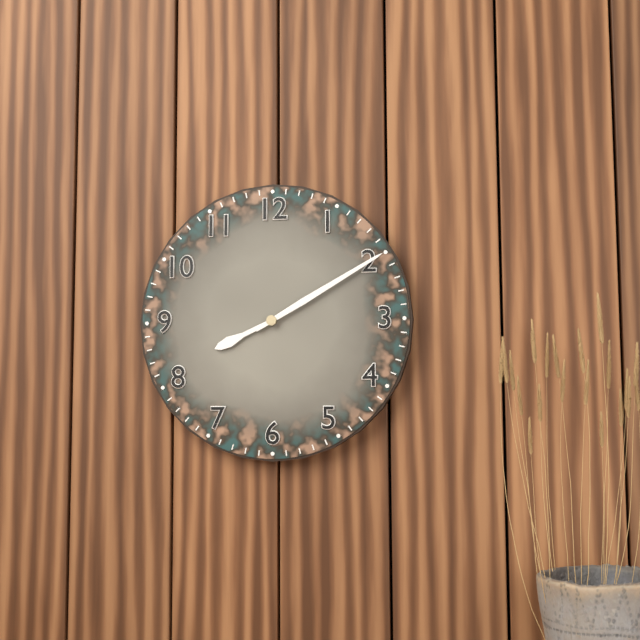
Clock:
8:10
